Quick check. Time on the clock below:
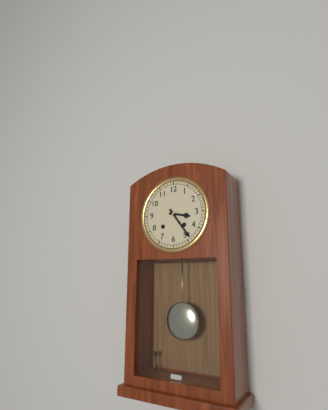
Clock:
3:24
